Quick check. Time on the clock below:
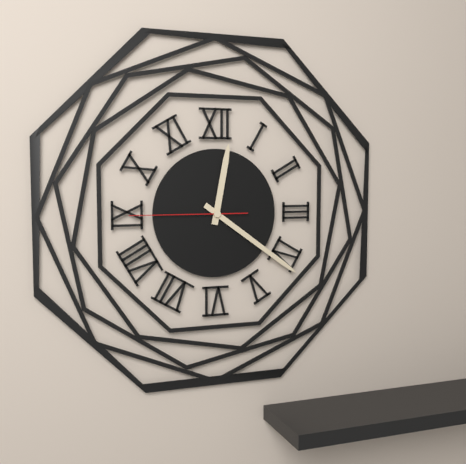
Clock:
12:21:45
